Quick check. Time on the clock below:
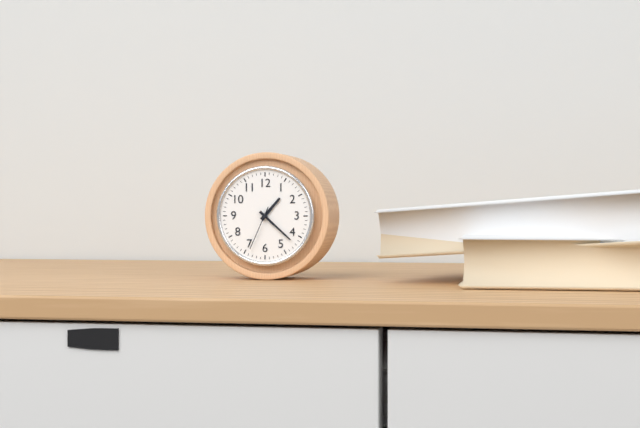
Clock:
1:22
